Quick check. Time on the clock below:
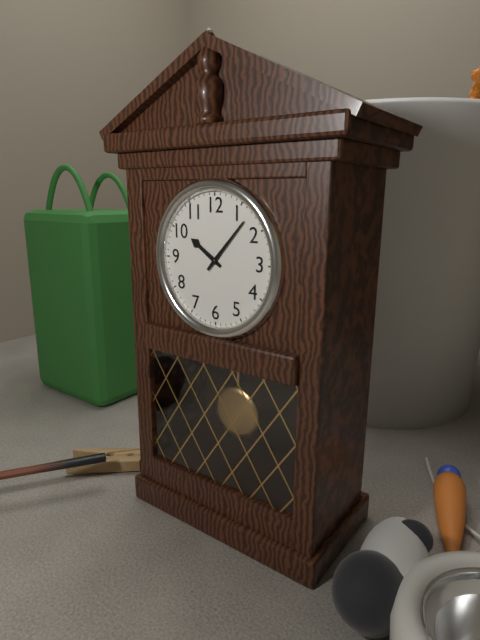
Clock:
10:07
